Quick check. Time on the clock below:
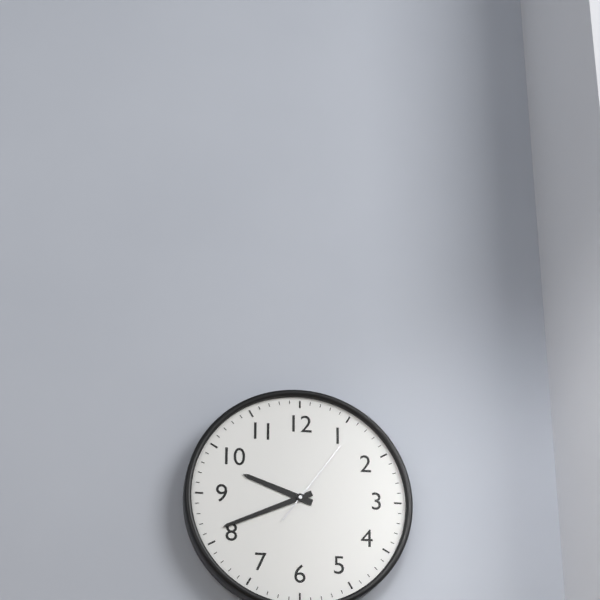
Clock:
9:41:06
